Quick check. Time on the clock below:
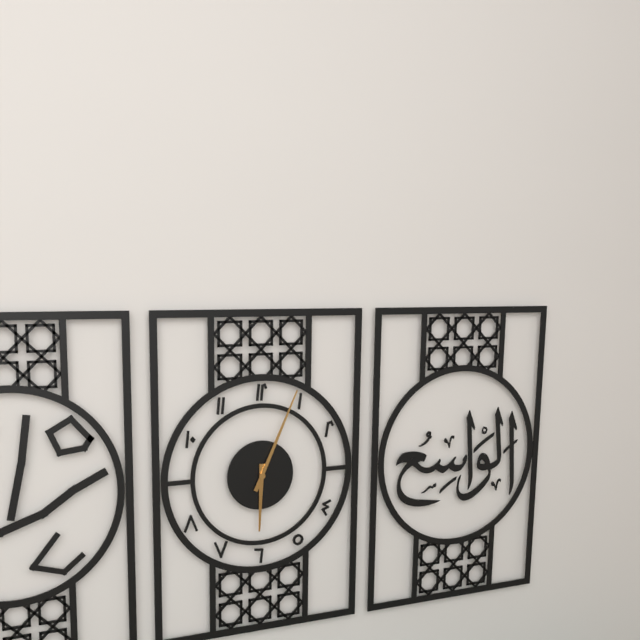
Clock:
6:04
